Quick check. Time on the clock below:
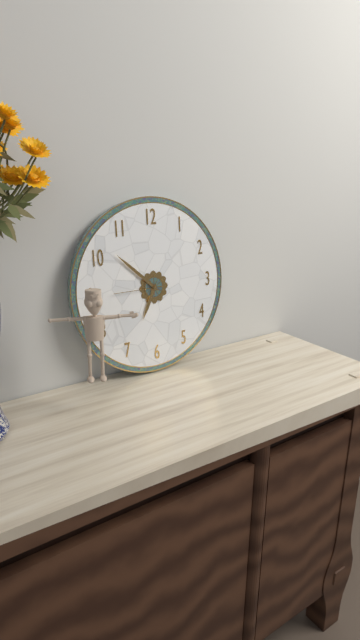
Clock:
6:52:45
